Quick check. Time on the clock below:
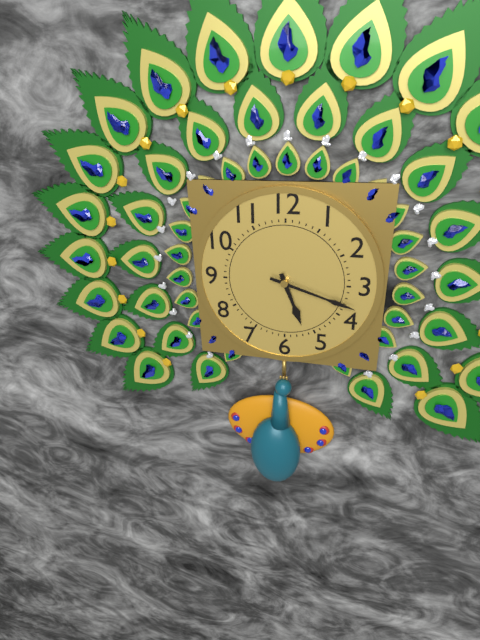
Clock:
5:18
